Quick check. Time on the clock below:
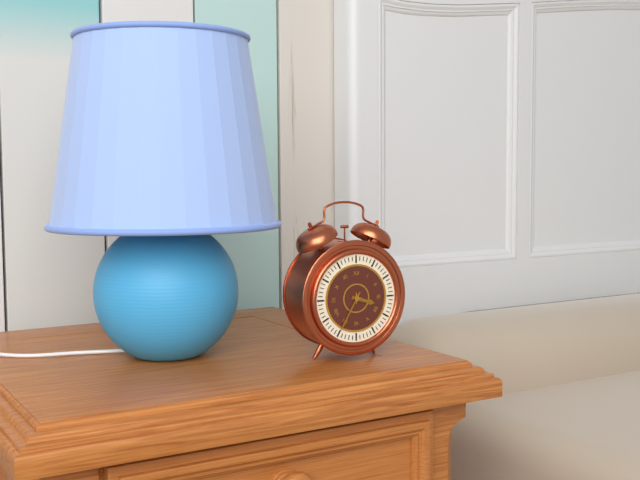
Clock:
3:35
